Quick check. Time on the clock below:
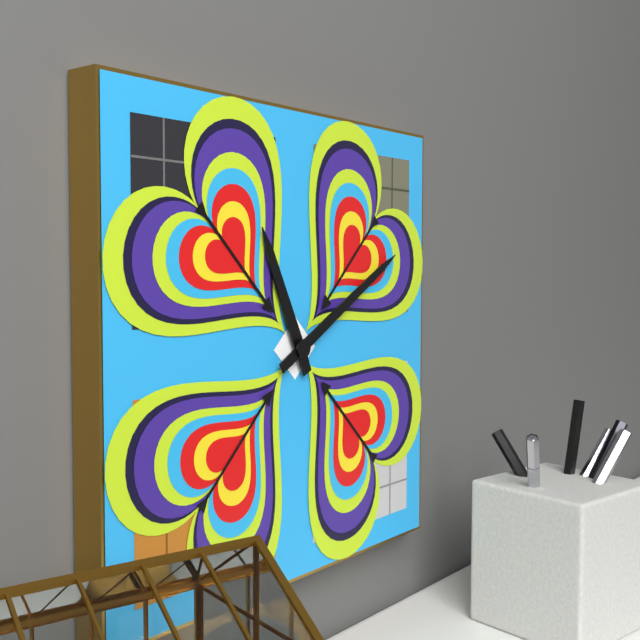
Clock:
11:10
